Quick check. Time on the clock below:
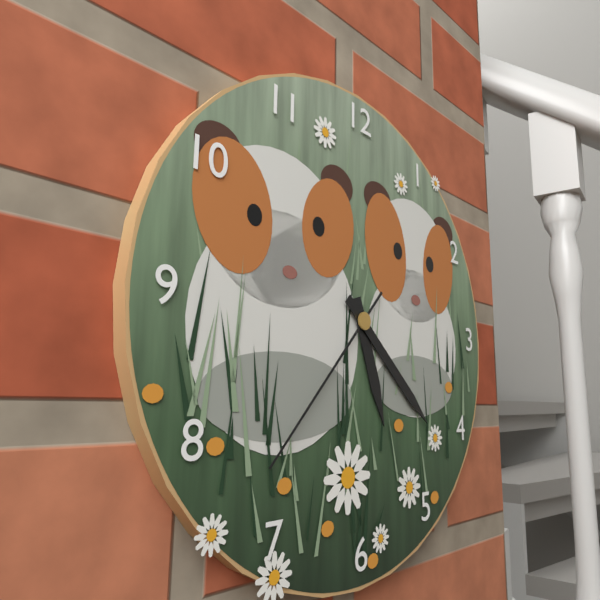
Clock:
5:22:37
